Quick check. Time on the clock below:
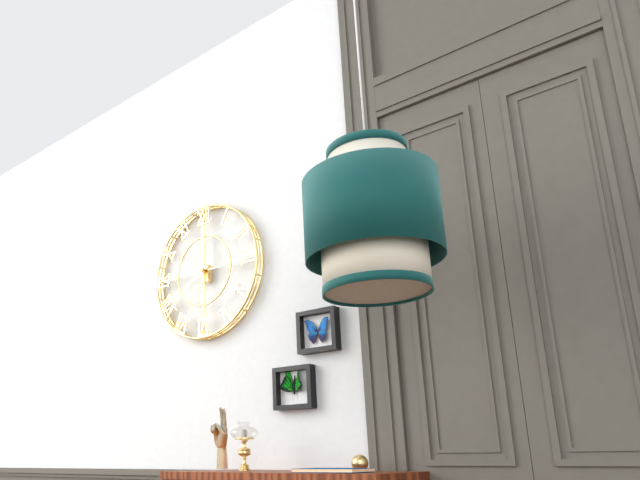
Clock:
8:00
